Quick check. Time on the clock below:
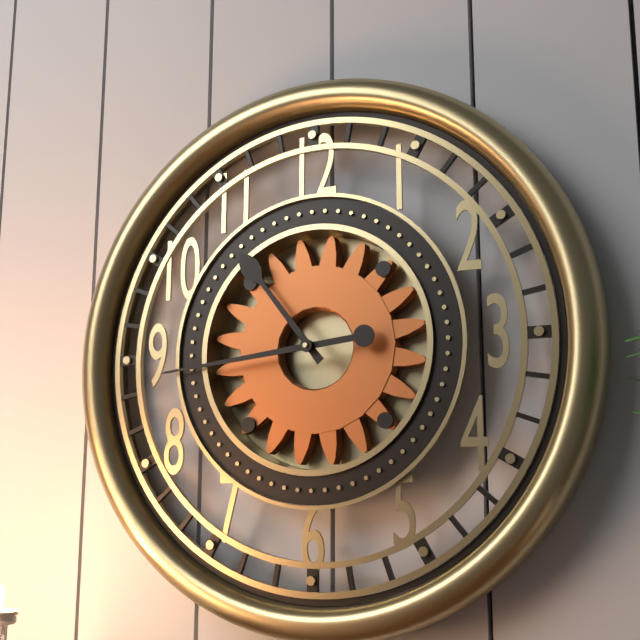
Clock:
10:44
